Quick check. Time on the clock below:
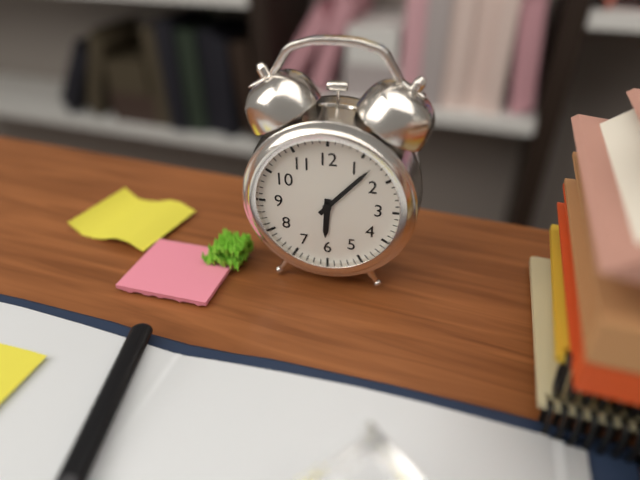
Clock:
6:07
